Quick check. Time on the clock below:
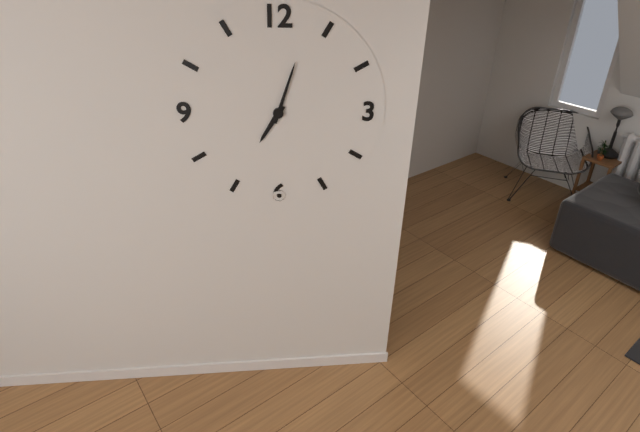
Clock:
7:03
